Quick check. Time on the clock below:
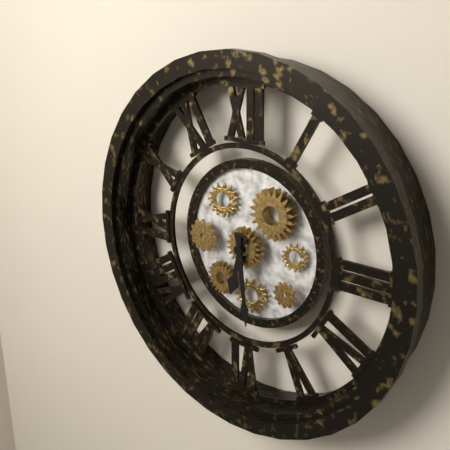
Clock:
6:29
